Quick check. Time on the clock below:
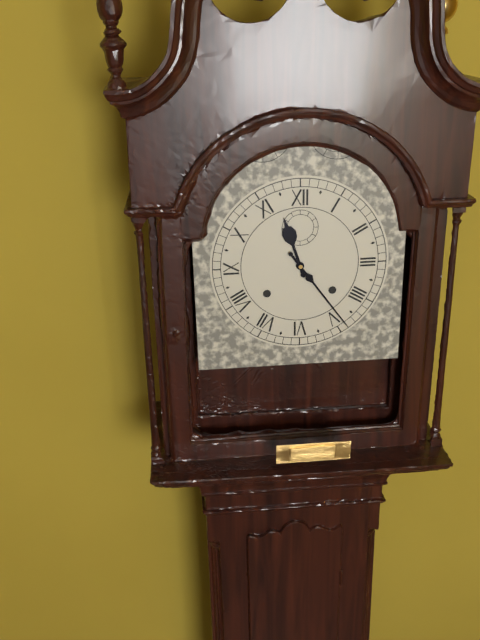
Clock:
11:24
